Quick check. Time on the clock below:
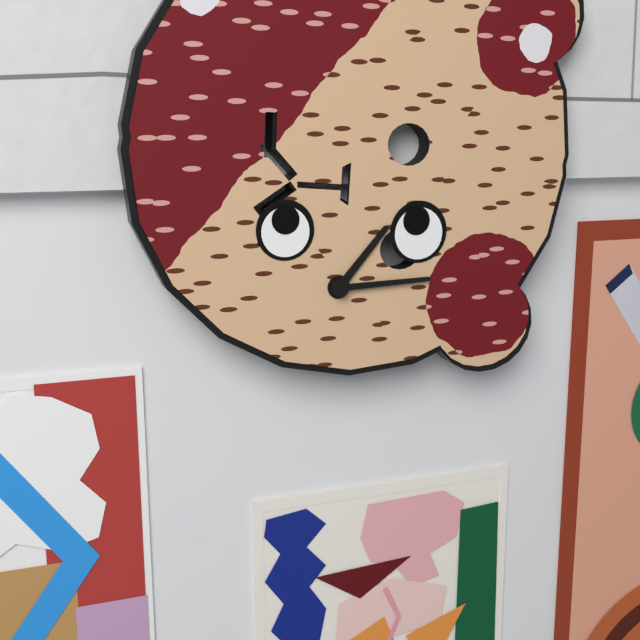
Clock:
1:14
